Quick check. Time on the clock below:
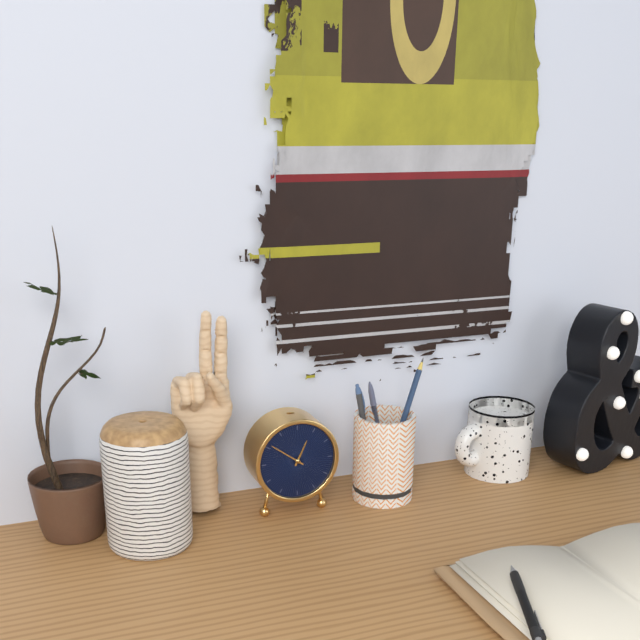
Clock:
12:51
